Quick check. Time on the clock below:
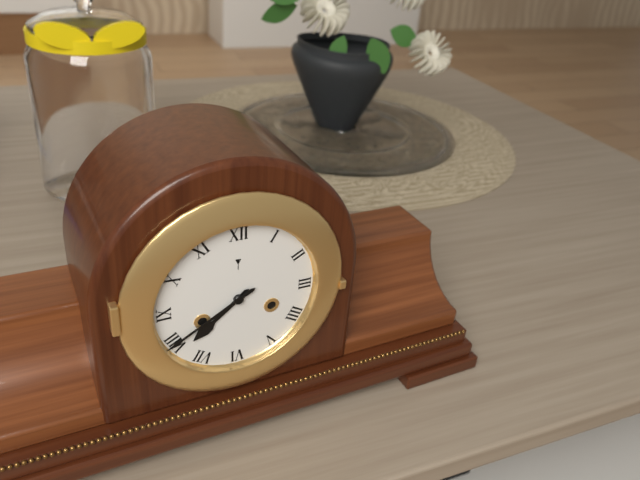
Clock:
7:40
